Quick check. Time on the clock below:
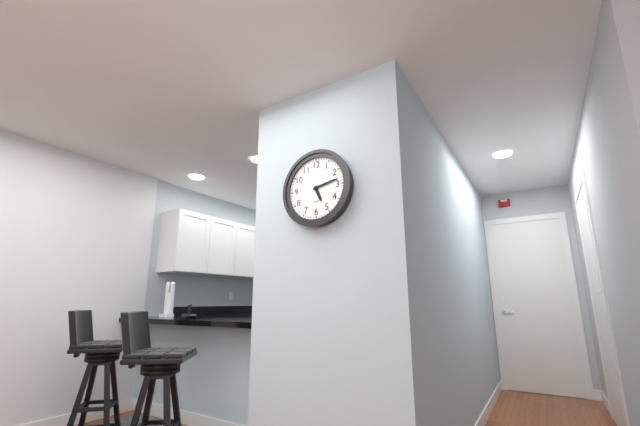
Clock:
5:13
